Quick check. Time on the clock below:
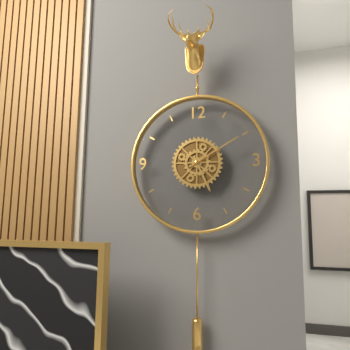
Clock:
5:10
